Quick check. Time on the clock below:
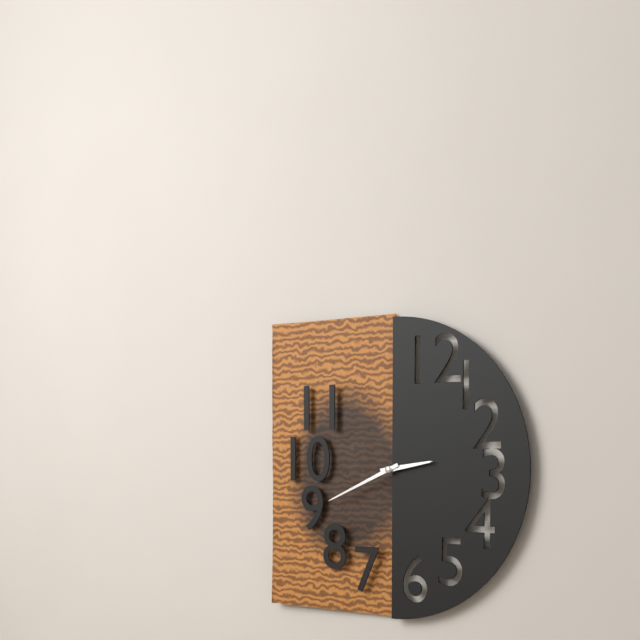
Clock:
2:41
